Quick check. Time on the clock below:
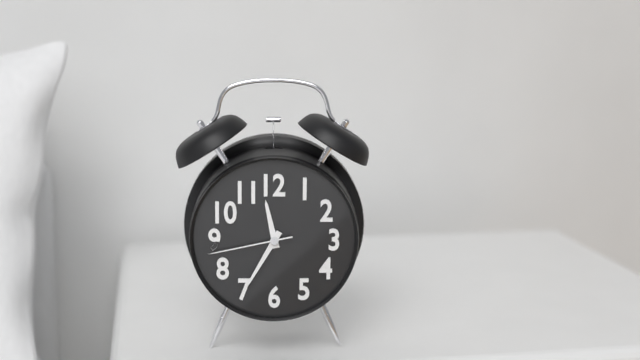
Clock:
11:35:43
